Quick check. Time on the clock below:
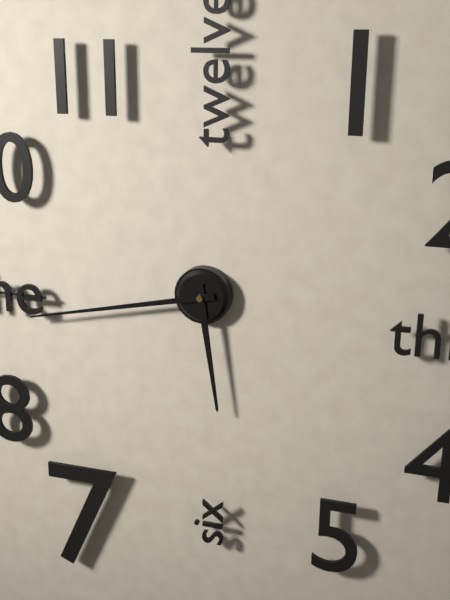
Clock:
5:43
